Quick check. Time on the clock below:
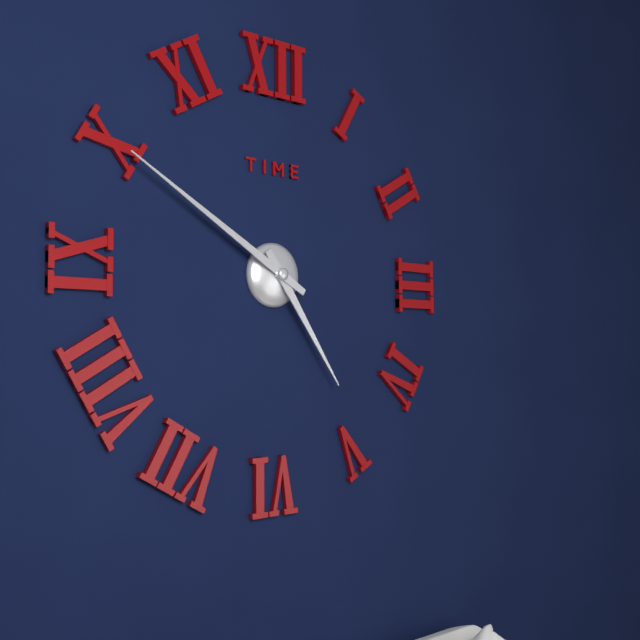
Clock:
4:50
